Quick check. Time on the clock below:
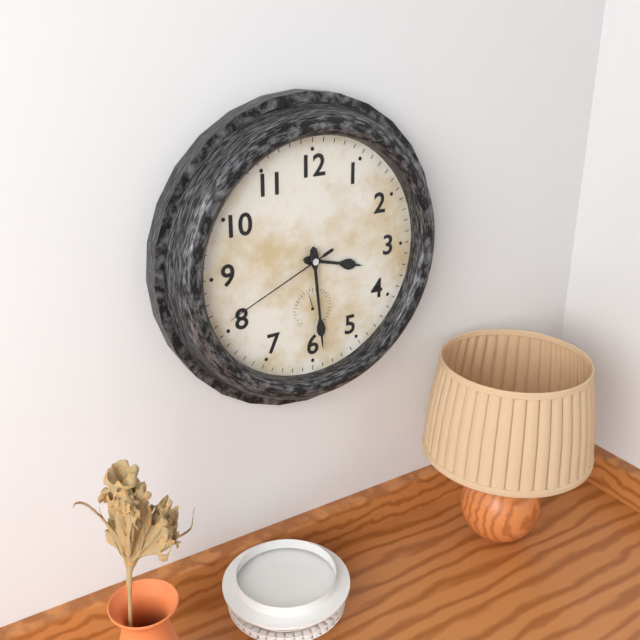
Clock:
3:29:41
